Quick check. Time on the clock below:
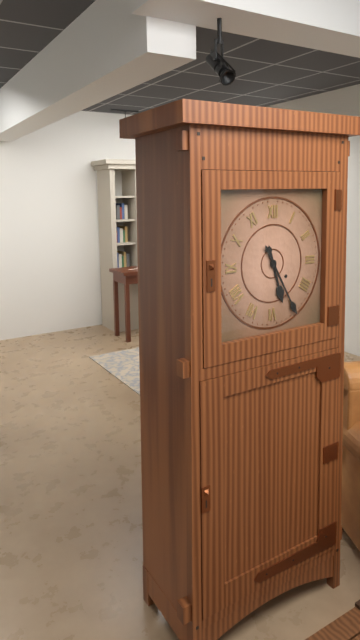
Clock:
5:25
